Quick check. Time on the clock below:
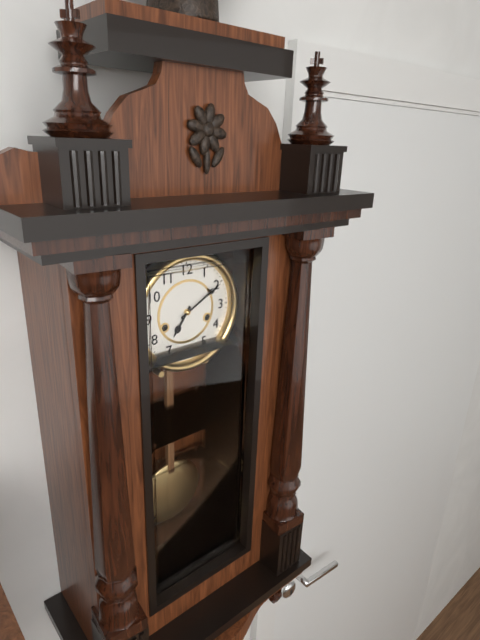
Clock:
7:10
